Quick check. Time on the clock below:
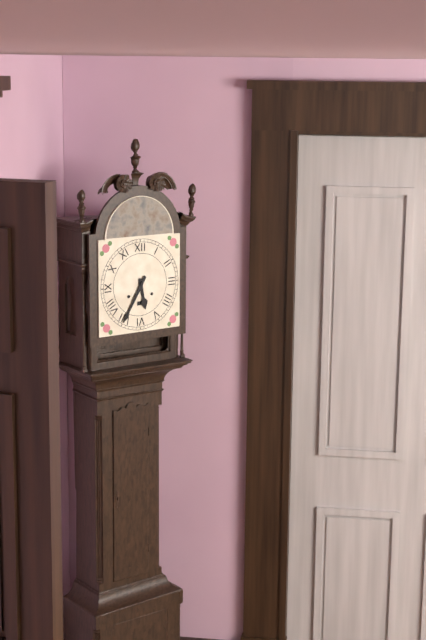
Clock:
5:35
